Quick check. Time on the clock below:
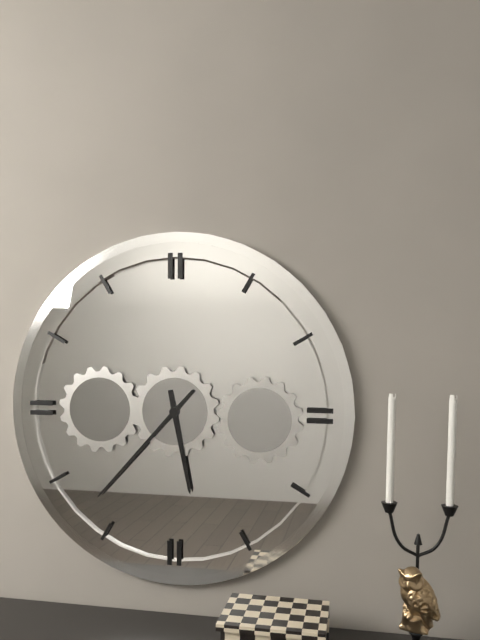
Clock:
5:37
